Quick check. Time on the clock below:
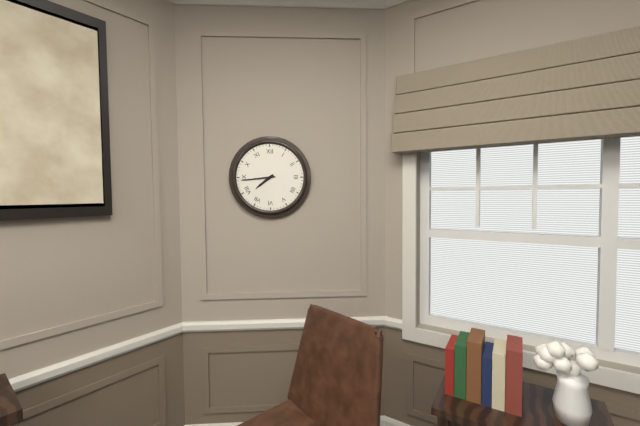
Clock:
7:44
